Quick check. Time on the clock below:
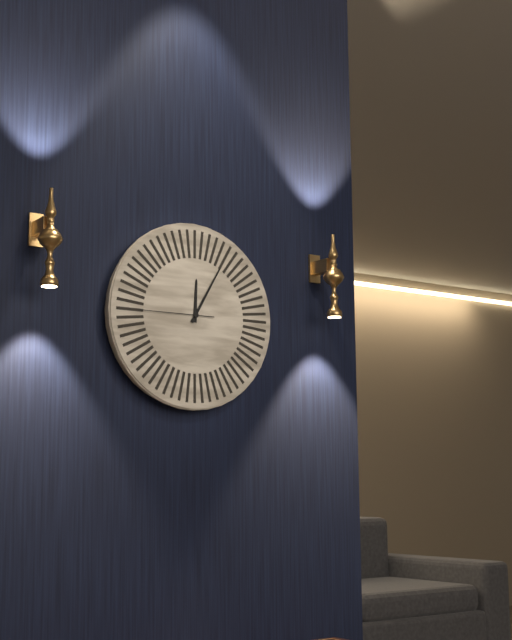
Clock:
12:05:45
